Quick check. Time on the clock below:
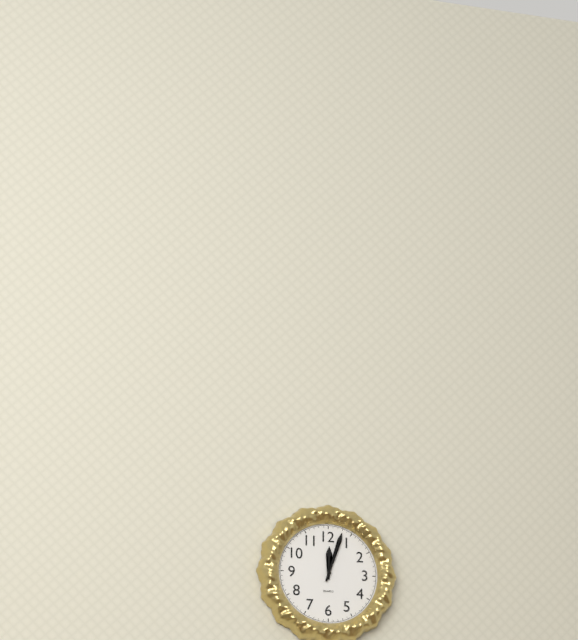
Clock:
12:03
